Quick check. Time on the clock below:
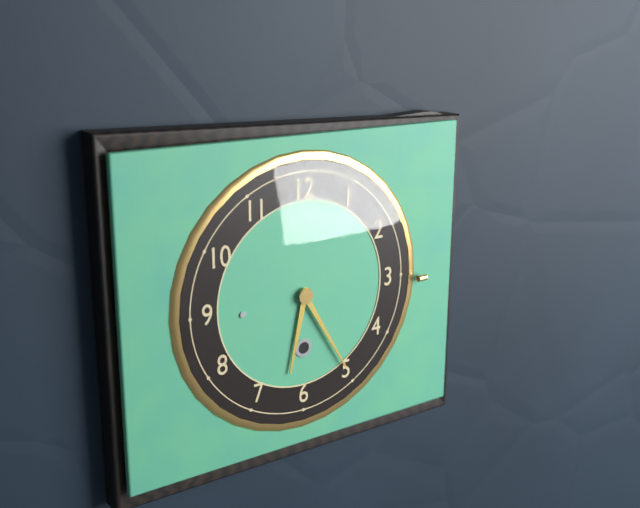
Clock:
6:25
